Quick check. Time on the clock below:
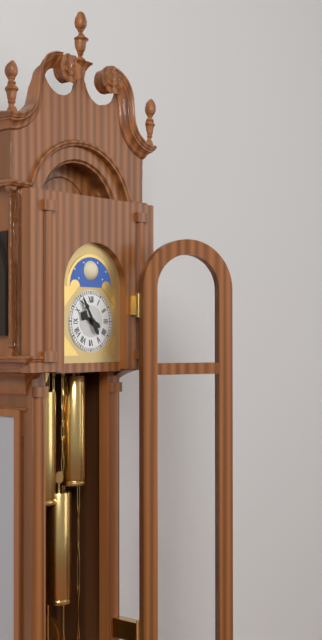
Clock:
9:55
